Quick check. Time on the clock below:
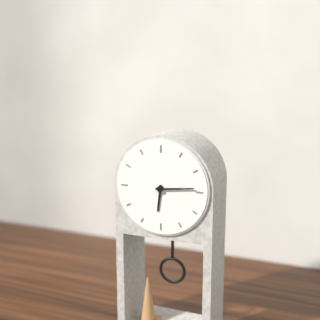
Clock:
6:14
